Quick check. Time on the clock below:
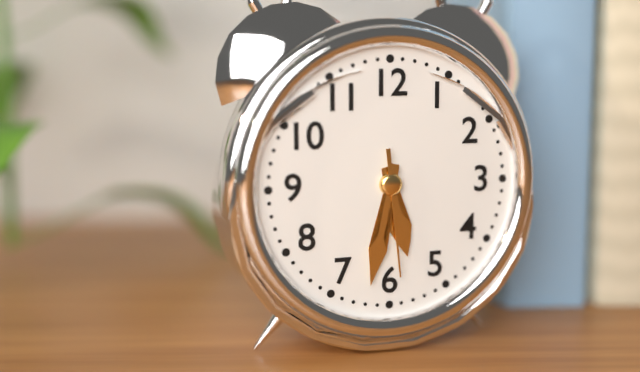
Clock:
5:32:29
